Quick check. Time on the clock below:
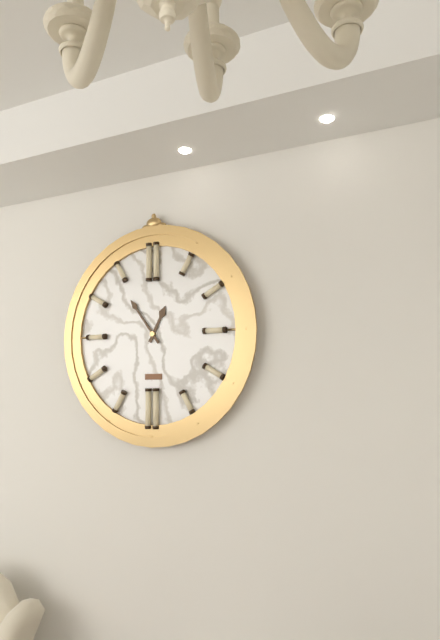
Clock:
12:54
